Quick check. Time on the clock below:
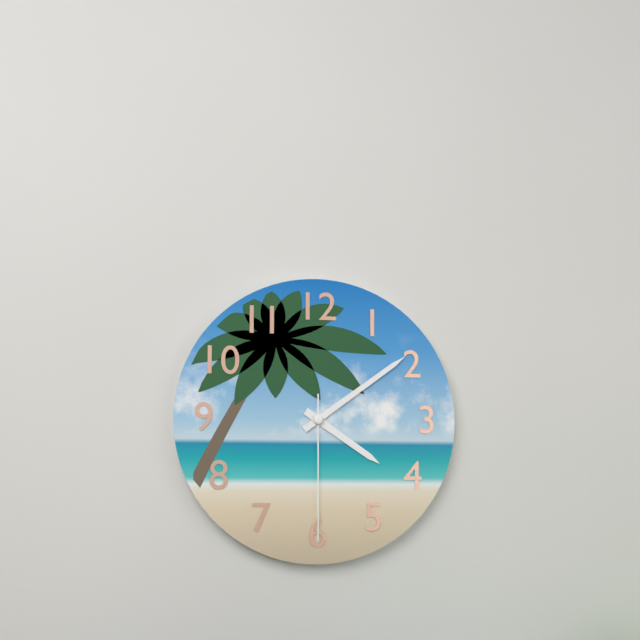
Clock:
4:09:30
